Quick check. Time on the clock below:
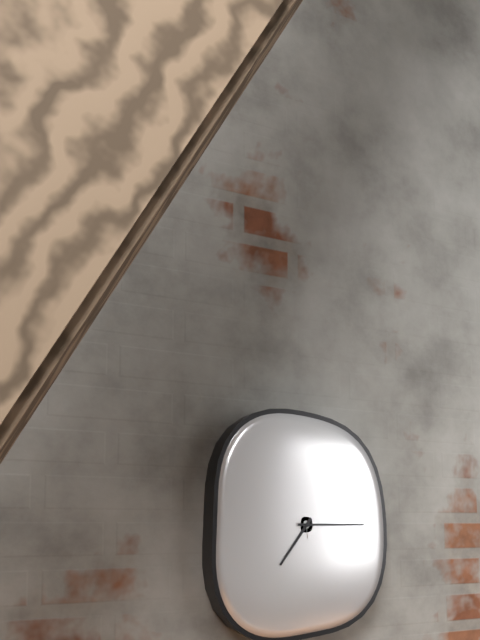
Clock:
7:15
